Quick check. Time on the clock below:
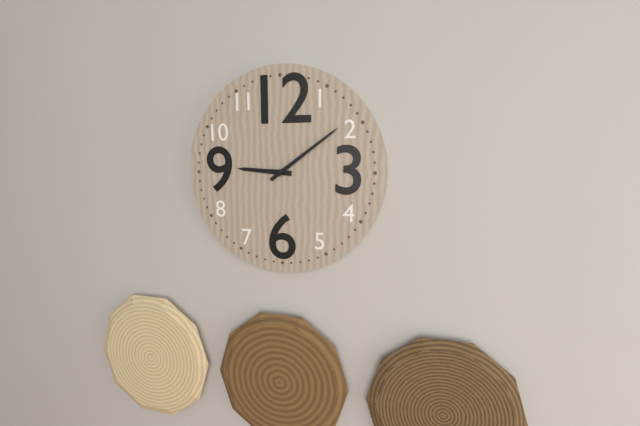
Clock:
9:09
